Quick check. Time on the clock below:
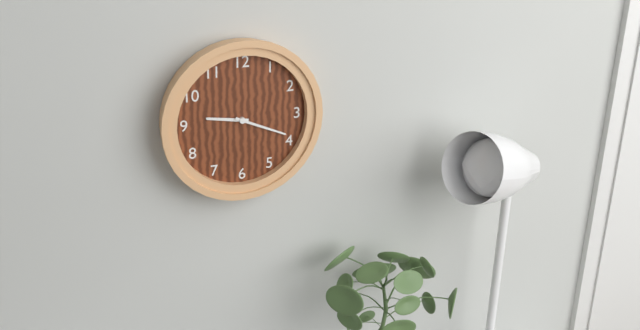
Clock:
9:19
